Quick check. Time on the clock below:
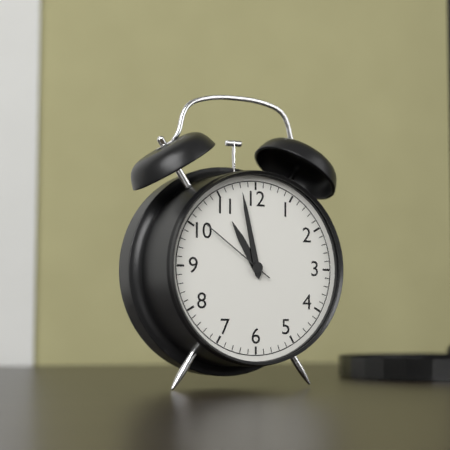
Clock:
10:58:51
